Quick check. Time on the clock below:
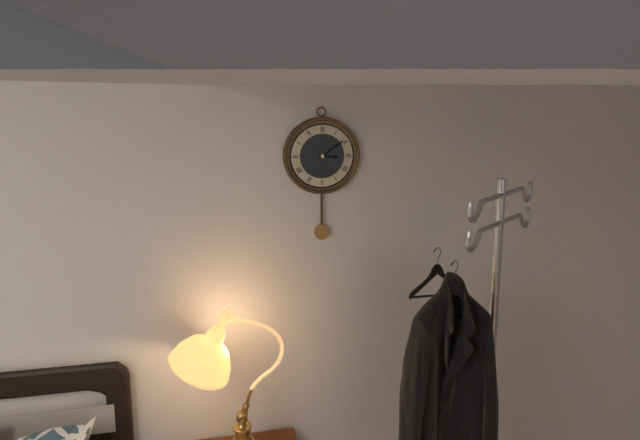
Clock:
3:09
